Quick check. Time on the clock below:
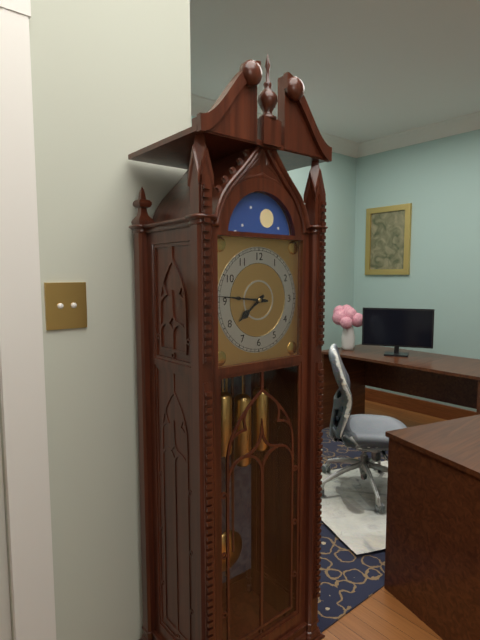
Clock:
7:46
